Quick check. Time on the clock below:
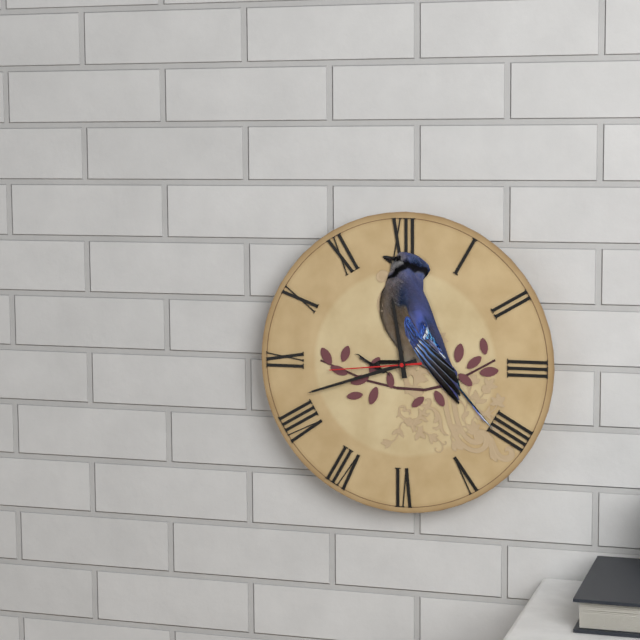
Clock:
11:42:44
